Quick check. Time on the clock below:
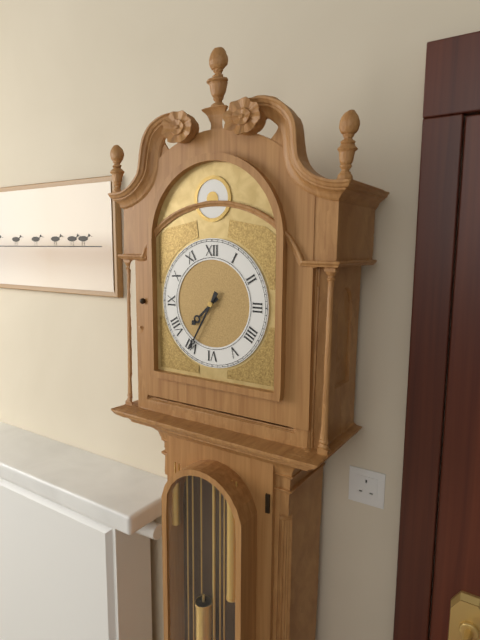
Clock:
7:35
